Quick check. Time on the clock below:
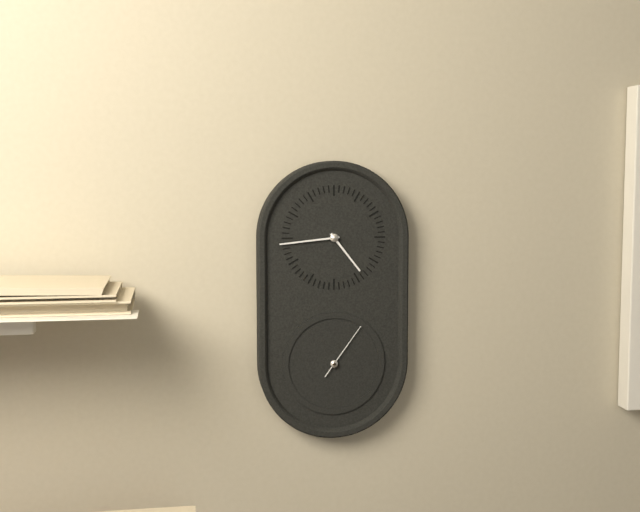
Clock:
4:44:06
